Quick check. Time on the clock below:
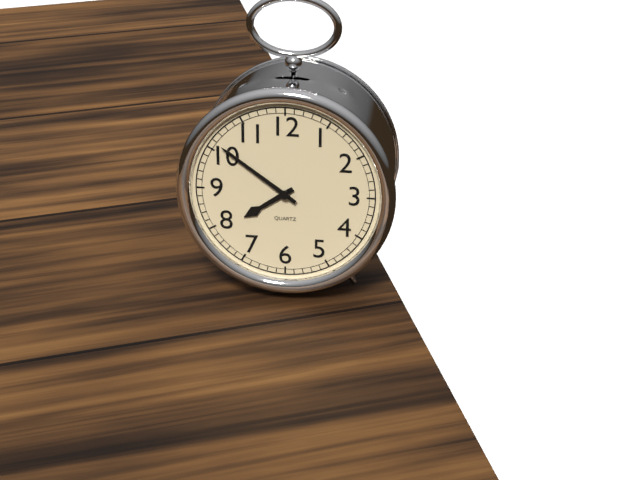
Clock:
7:51
